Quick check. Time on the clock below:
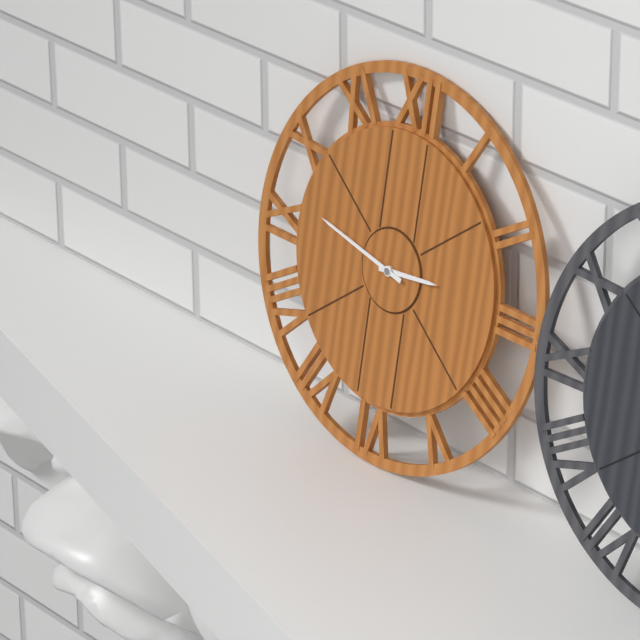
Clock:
2:47
